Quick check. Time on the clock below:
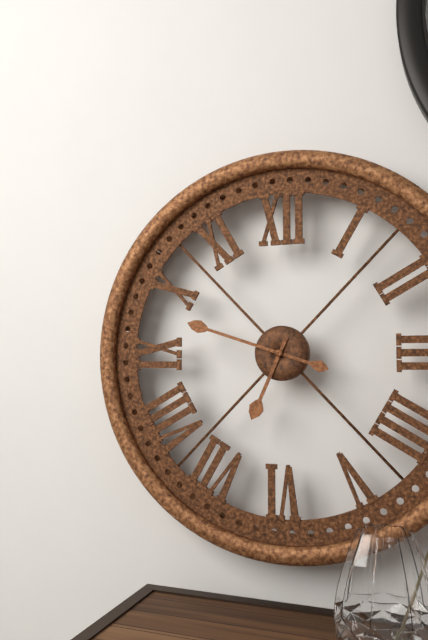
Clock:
6:48
